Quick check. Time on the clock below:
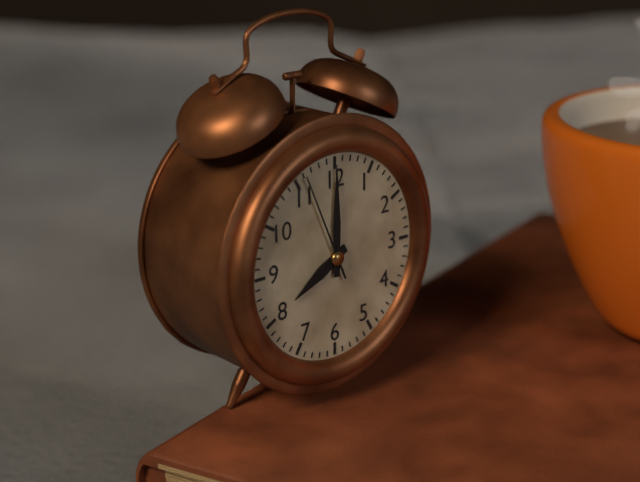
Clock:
8:00:56
